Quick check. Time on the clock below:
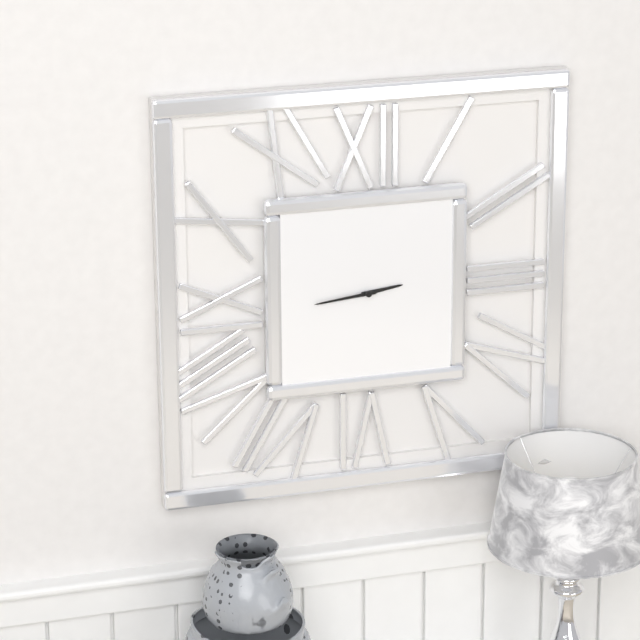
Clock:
2:44
